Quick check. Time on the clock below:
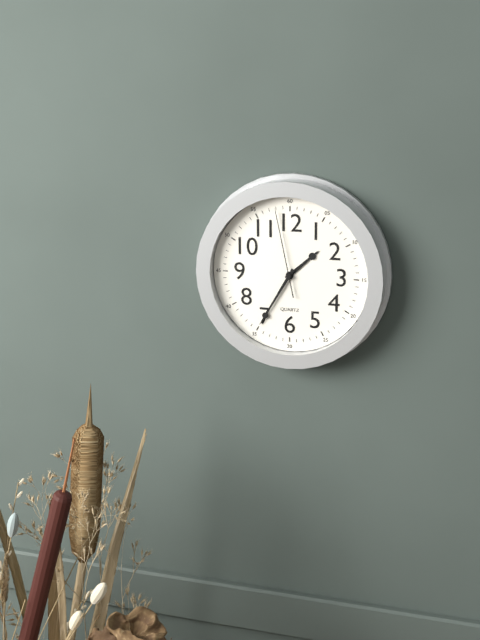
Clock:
1:35:58
